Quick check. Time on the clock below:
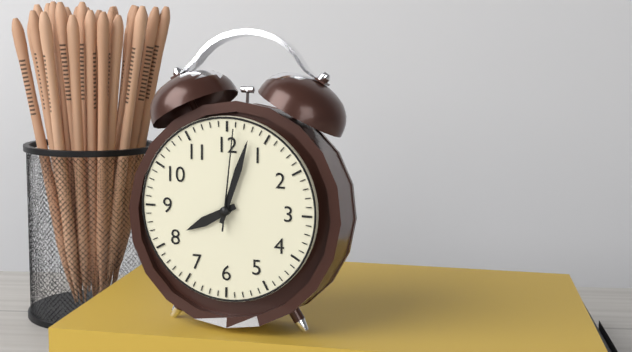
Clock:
8:03:01
